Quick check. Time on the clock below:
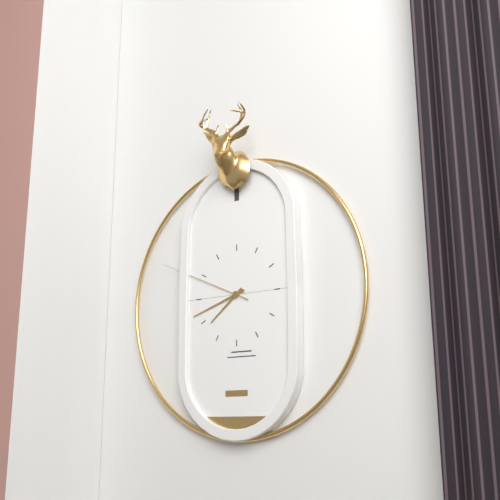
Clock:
7:42:49
